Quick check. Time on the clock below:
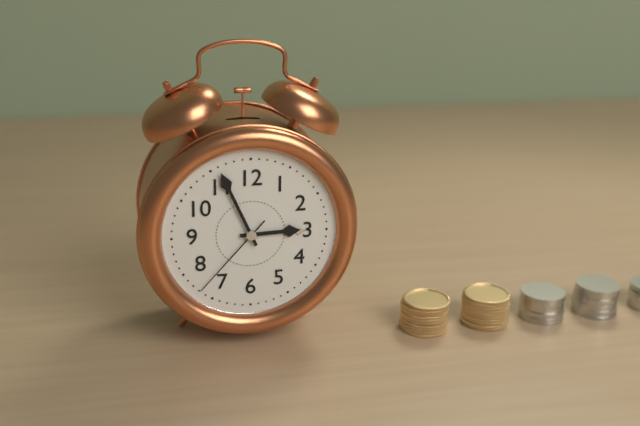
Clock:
2:56:37
